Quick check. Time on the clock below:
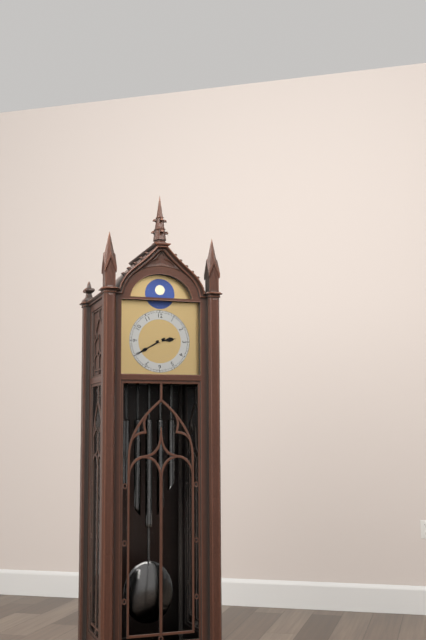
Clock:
2:40
